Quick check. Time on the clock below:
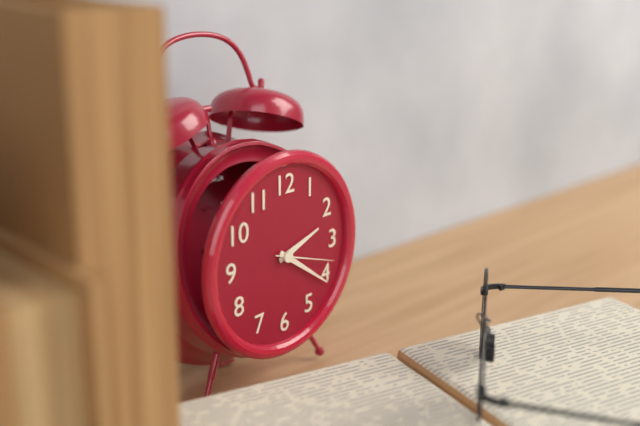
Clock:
2:21:18
